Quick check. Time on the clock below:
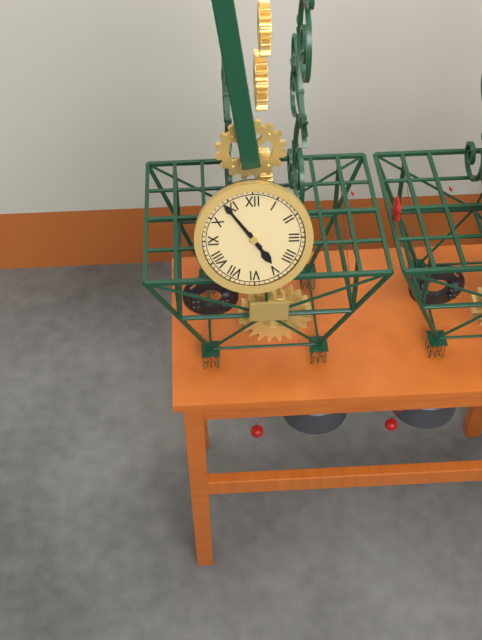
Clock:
4:54
